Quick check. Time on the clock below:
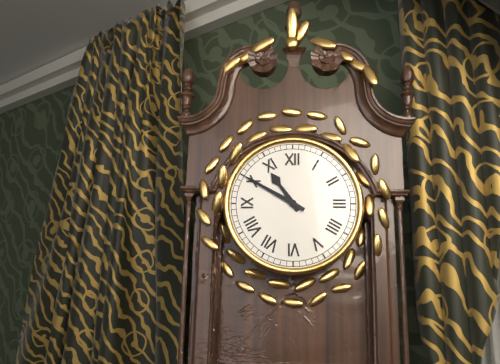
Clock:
10:50
